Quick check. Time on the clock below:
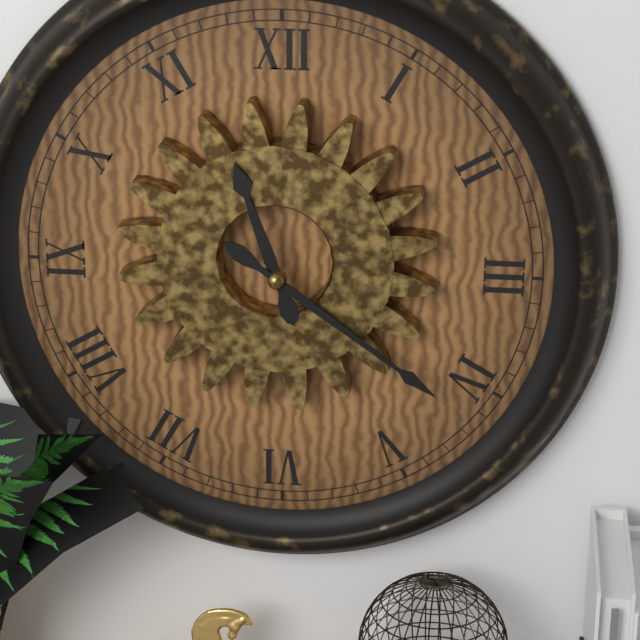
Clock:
11:21
